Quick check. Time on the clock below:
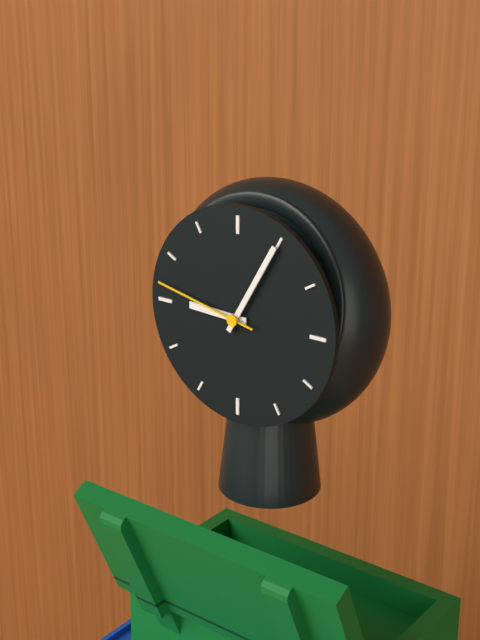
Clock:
9:05:47
